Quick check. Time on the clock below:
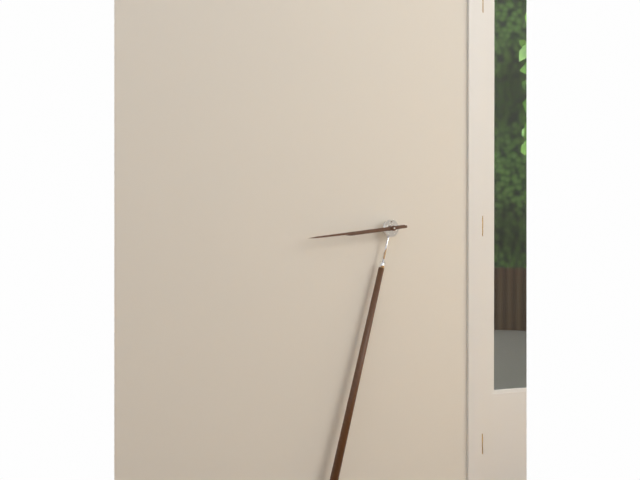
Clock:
8:44
